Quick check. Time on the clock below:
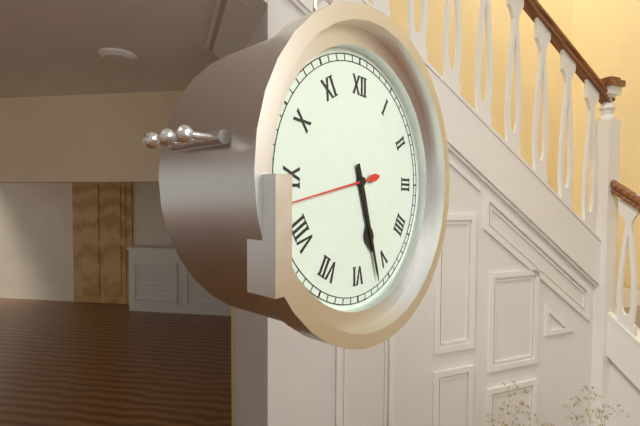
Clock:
5:27:43
